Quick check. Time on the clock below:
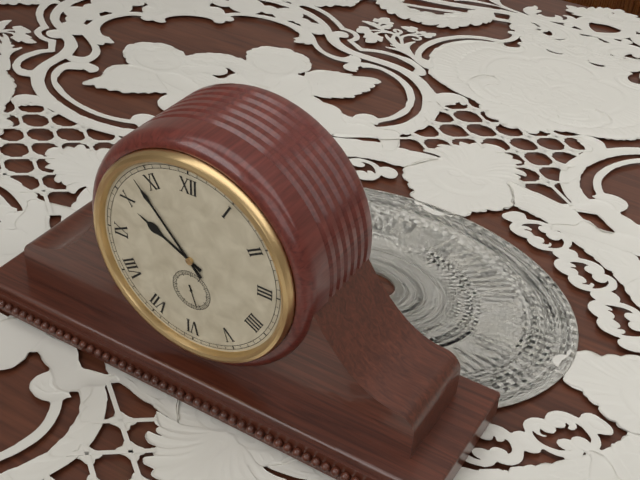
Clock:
9:53:27
